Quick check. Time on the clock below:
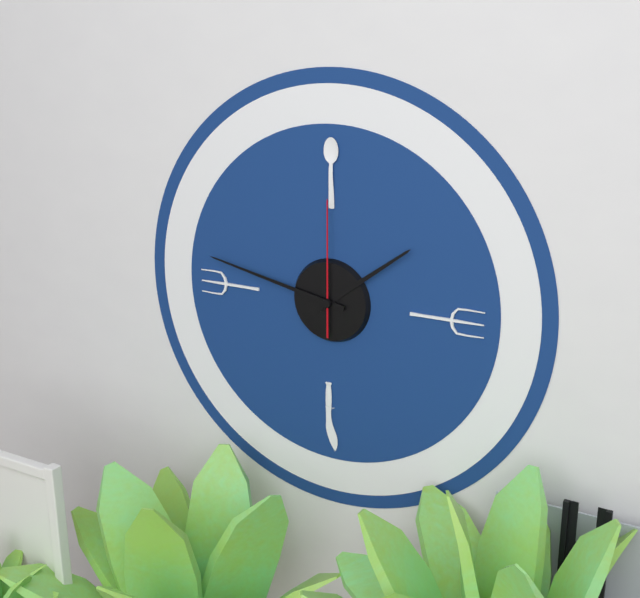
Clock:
1:47:00
